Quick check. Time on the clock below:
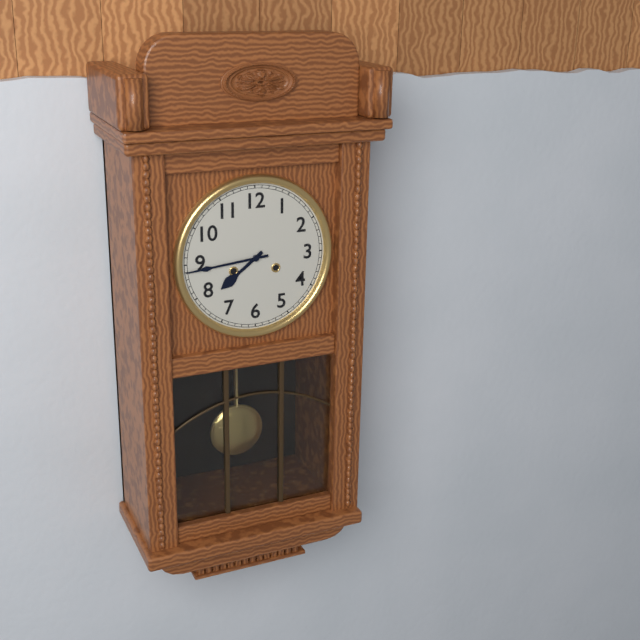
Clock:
7:44
